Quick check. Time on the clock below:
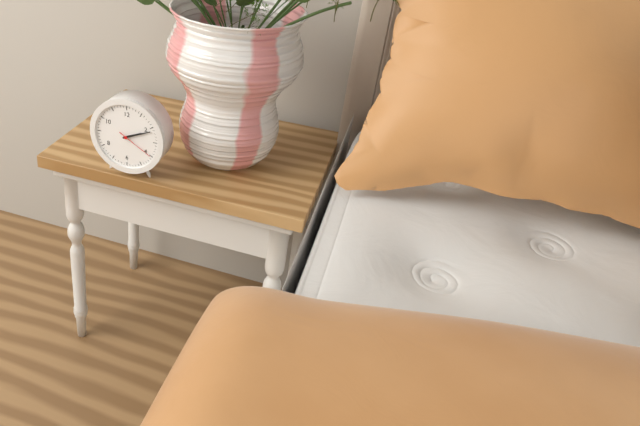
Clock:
2:11
